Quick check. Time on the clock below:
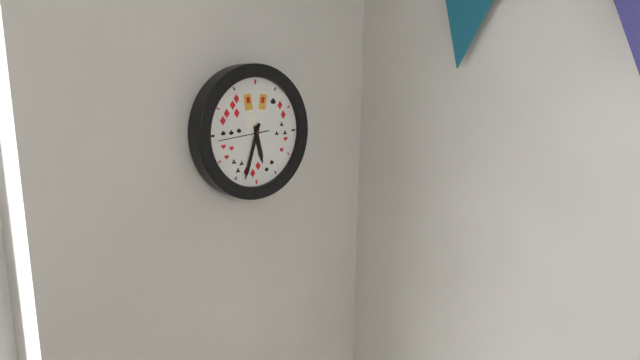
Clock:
5:33
